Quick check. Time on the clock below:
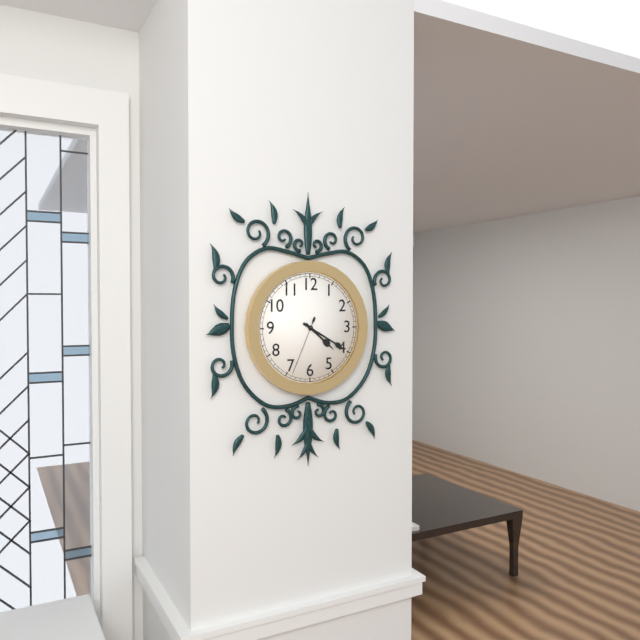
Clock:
4:20:34
